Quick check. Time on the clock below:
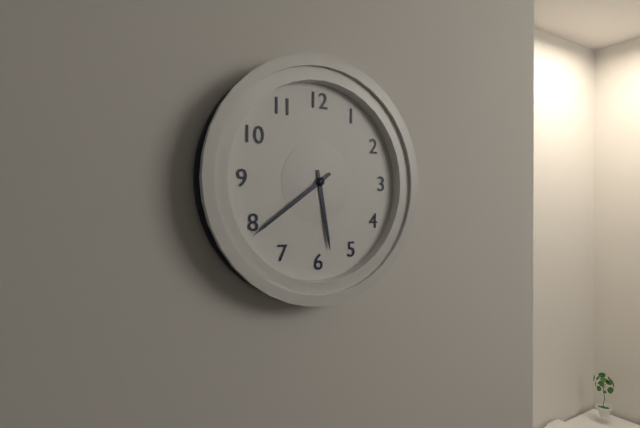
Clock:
5:39
